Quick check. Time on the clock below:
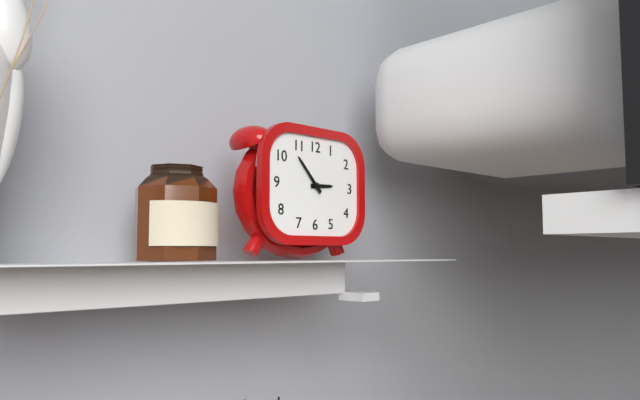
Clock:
2:53
